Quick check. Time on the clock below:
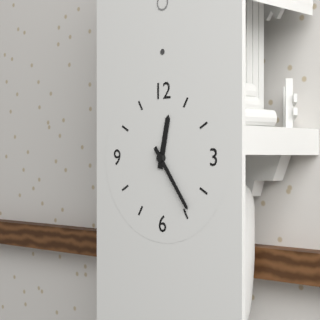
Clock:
12:24
